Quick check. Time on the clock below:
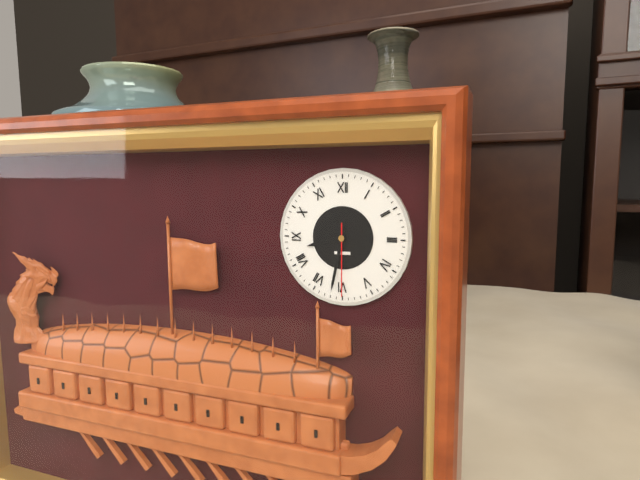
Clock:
8:32:30
